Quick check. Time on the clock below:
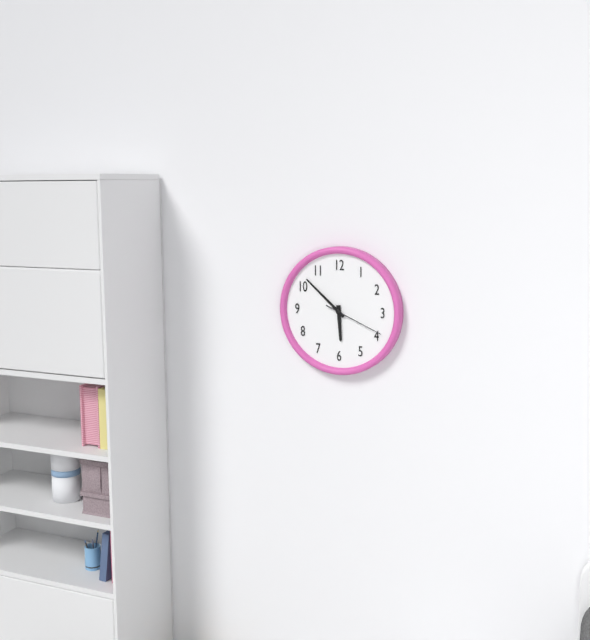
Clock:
5:52:19
